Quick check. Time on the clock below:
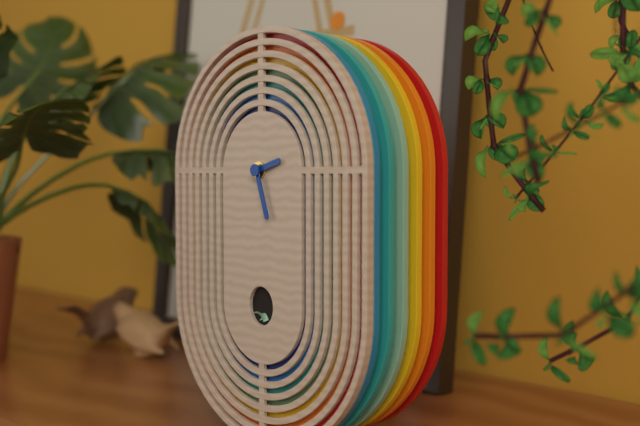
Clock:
2:27
